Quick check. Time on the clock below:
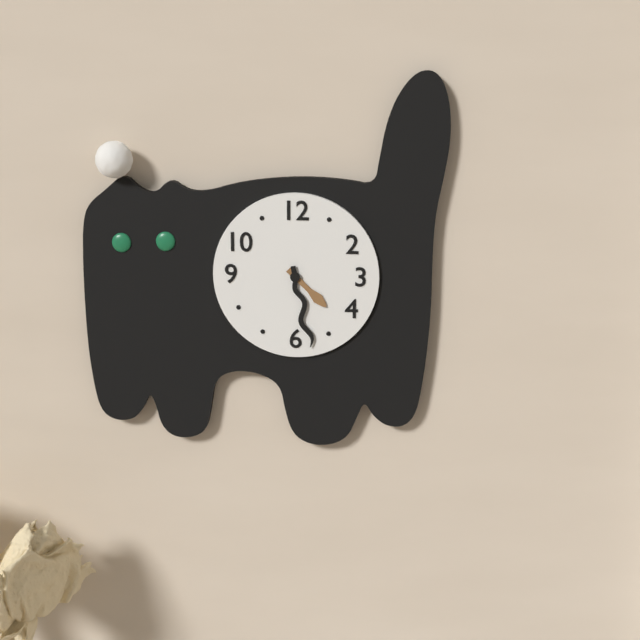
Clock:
4:28
